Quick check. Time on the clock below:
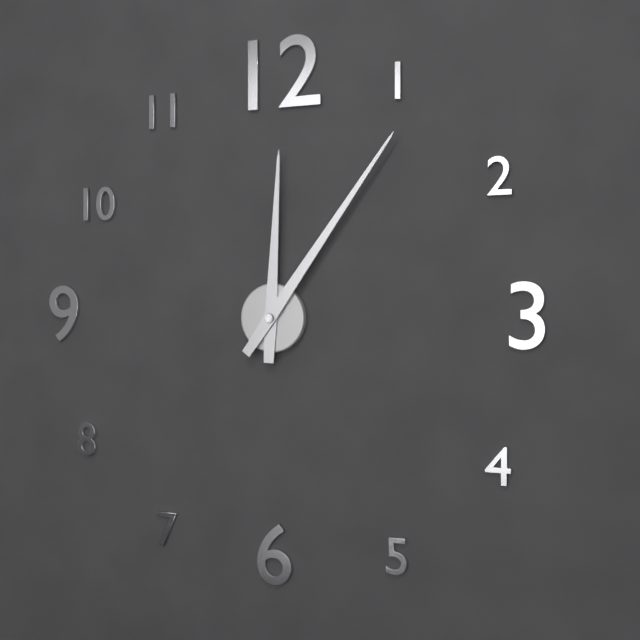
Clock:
12:06
